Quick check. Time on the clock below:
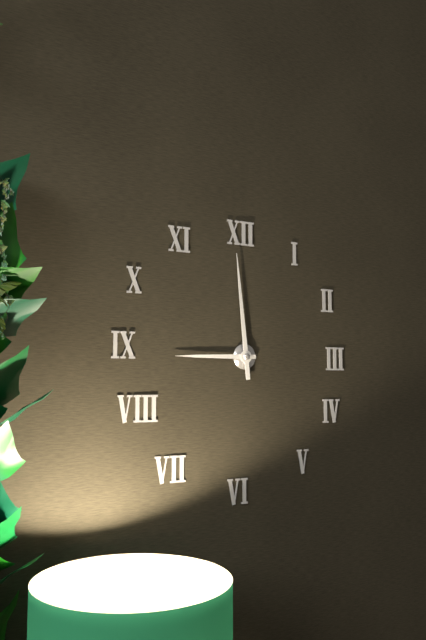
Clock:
8:59
